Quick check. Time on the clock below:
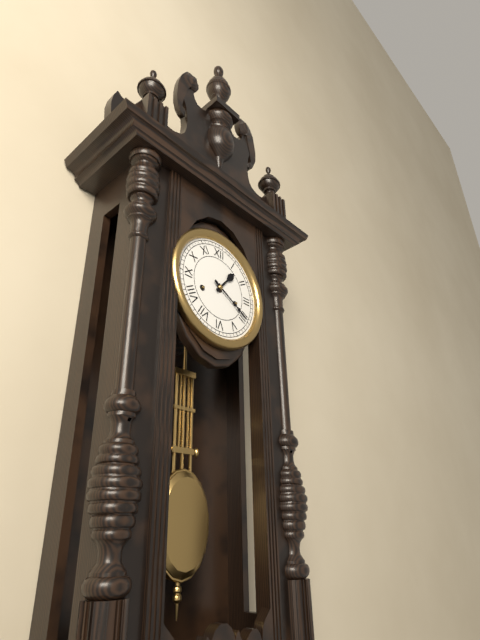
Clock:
1:20
